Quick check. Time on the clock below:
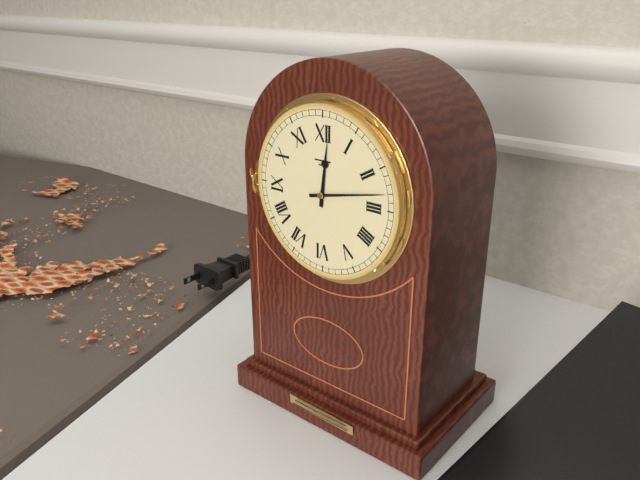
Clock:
12:13
